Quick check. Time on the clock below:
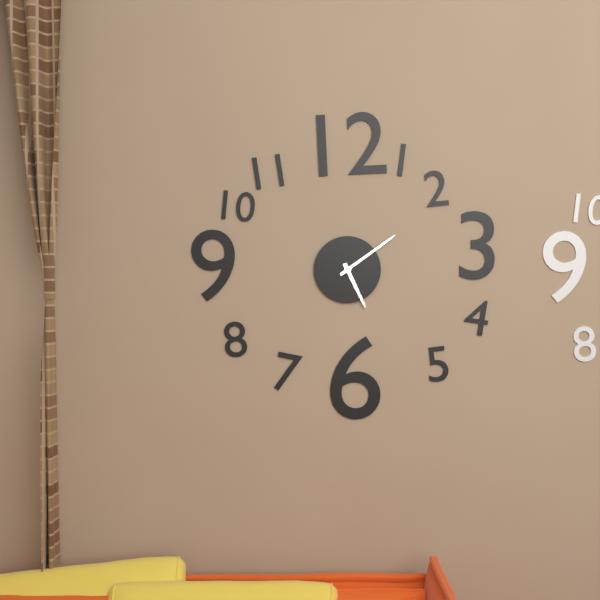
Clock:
5:09
